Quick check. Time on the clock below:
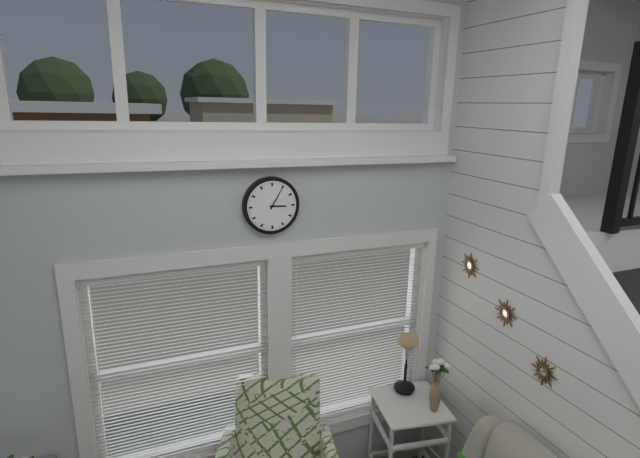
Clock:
3:05
